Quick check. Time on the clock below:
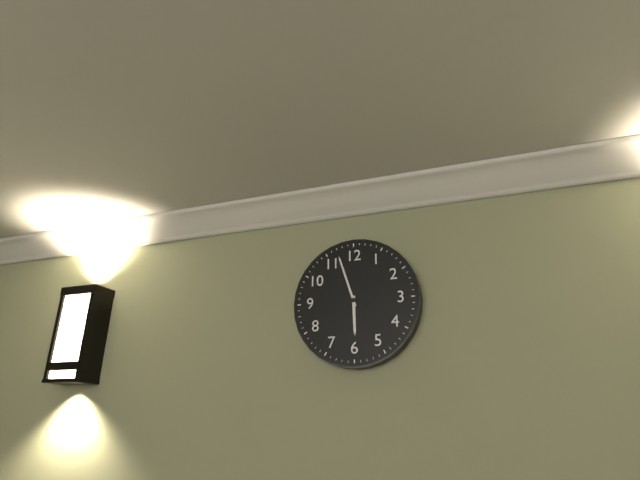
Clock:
5:57
